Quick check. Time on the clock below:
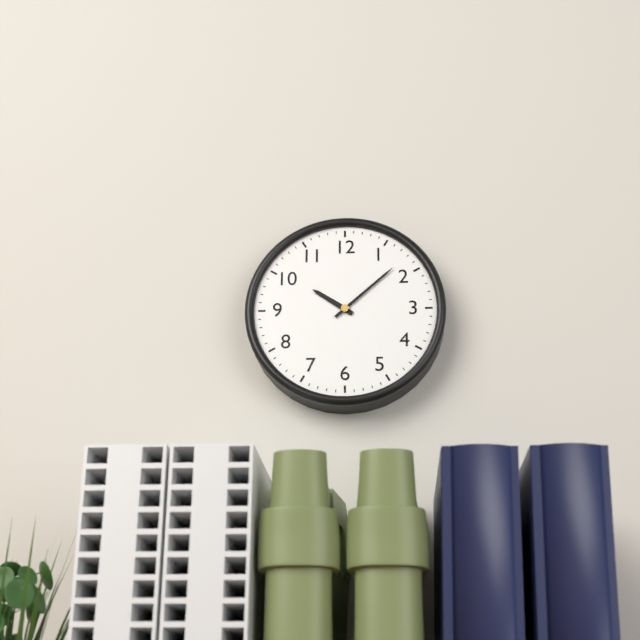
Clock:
10:08
